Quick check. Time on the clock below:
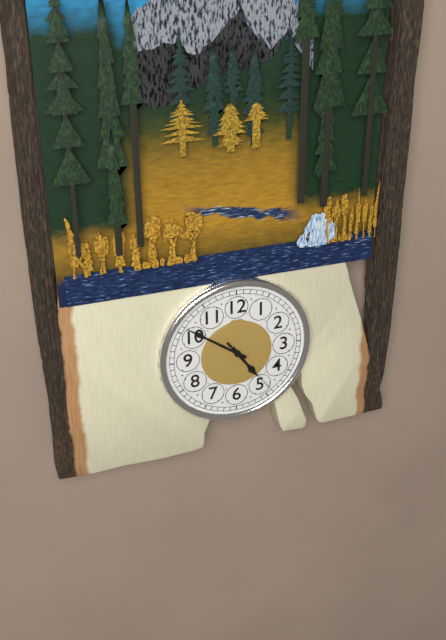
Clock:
4:51:24
